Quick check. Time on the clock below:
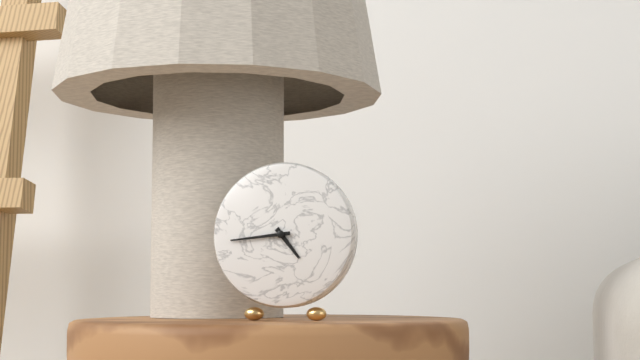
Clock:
4:44
